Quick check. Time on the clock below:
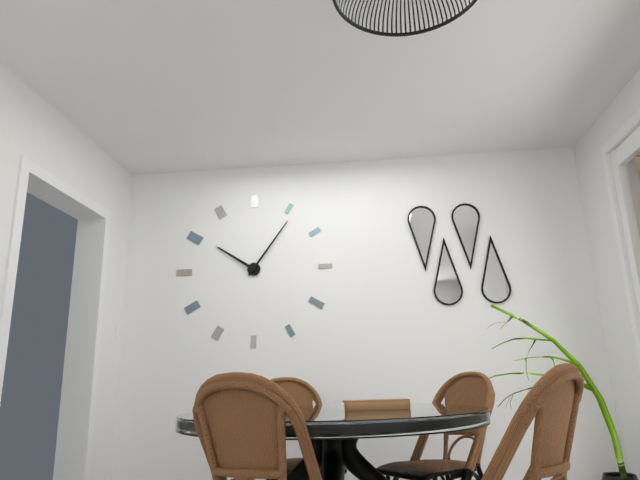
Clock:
10:06
